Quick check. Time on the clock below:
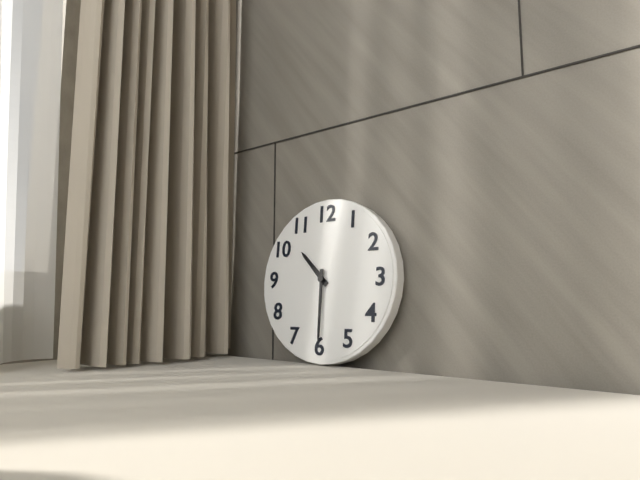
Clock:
10:30
